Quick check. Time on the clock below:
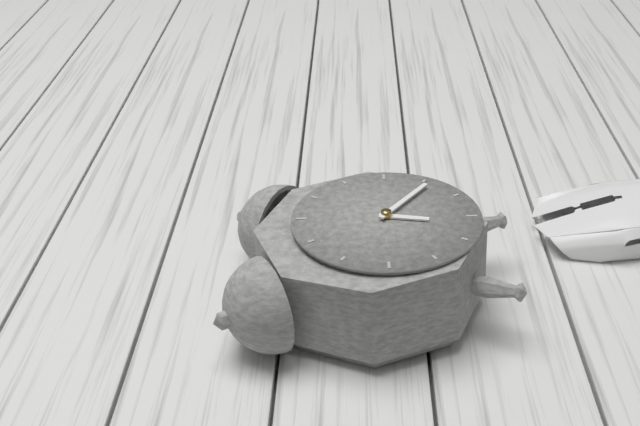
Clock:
6:21
